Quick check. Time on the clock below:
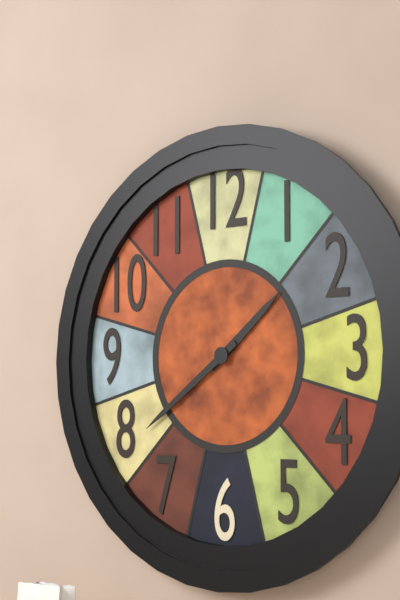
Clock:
1:39
